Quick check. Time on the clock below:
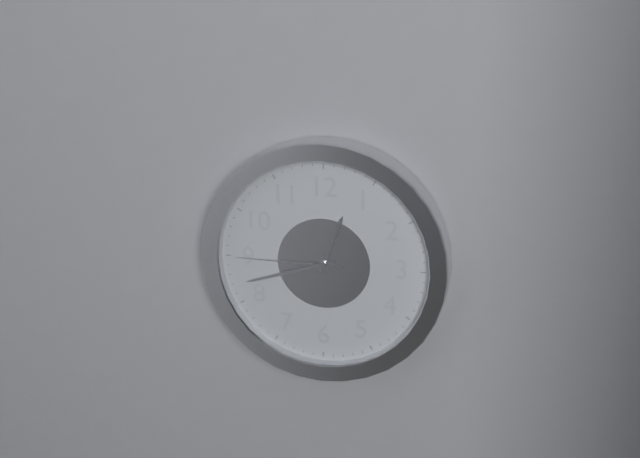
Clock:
12:42:45
